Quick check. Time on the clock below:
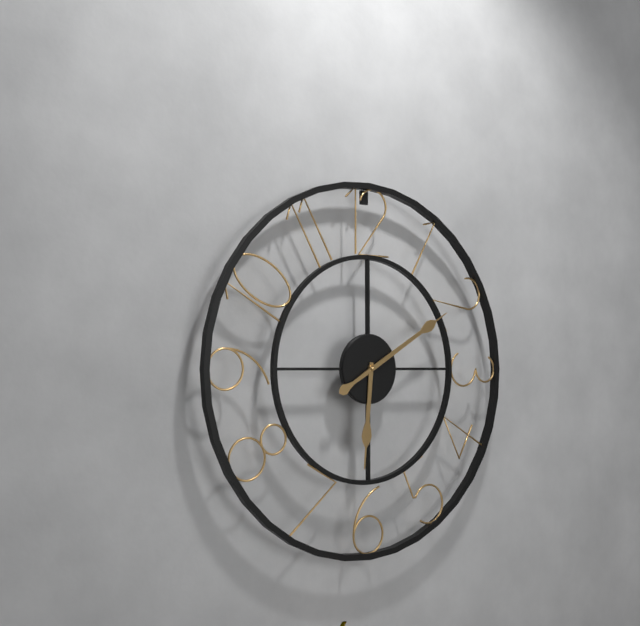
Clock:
6:10
